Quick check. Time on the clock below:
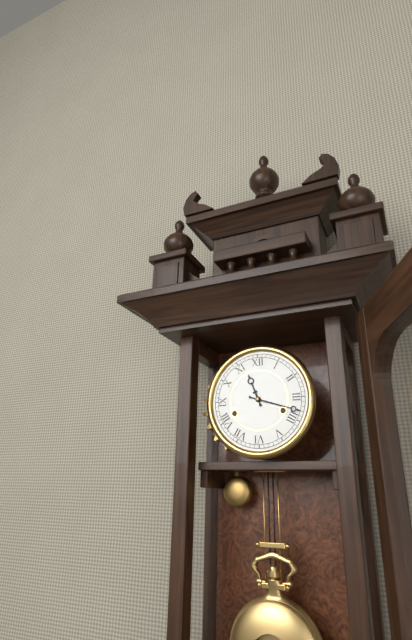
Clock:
11:18
